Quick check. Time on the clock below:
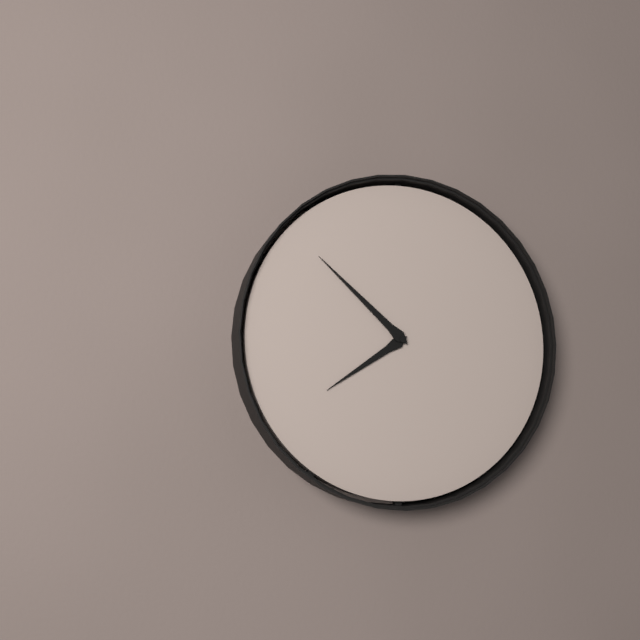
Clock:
7:52
